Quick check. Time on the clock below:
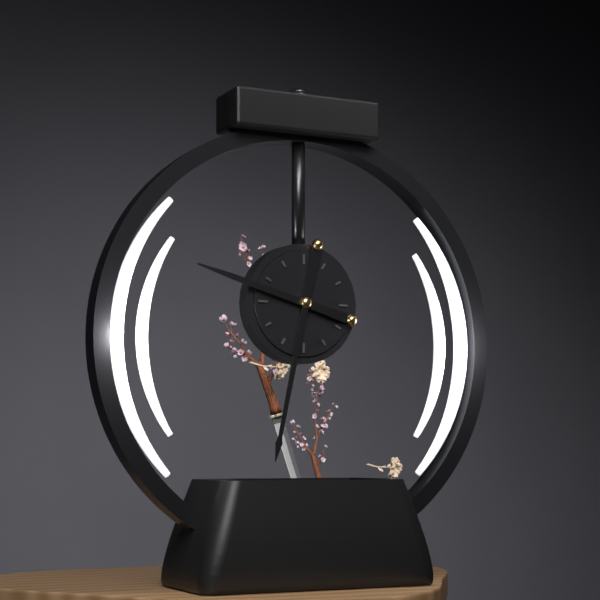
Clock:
9:32
